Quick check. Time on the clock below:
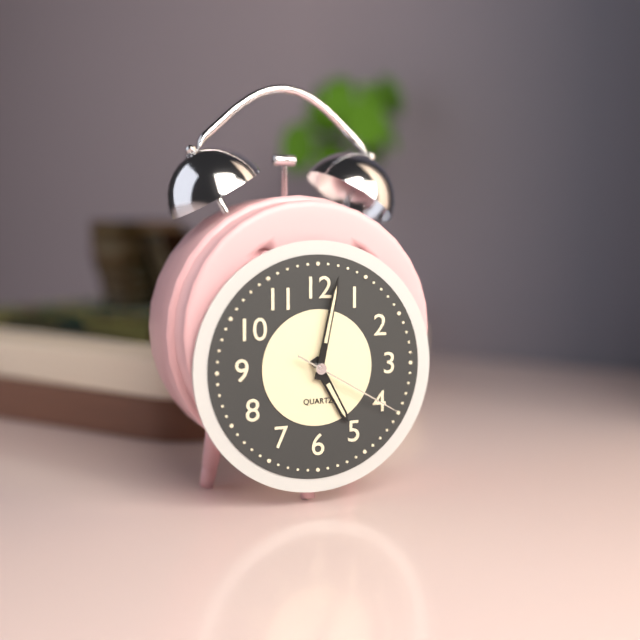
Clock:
5:02:20
